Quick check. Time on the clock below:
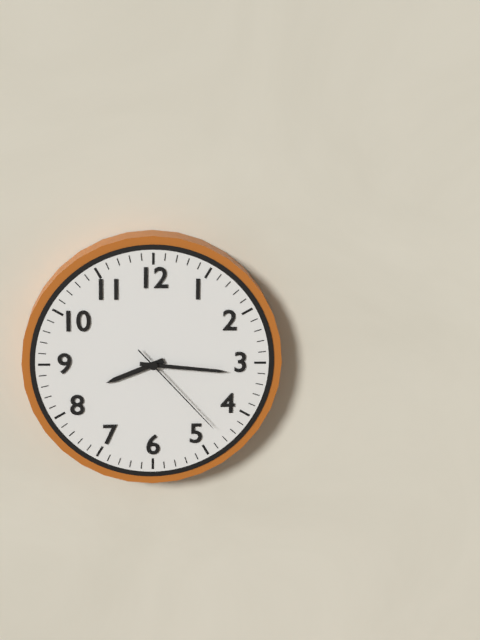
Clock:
8:16:23
